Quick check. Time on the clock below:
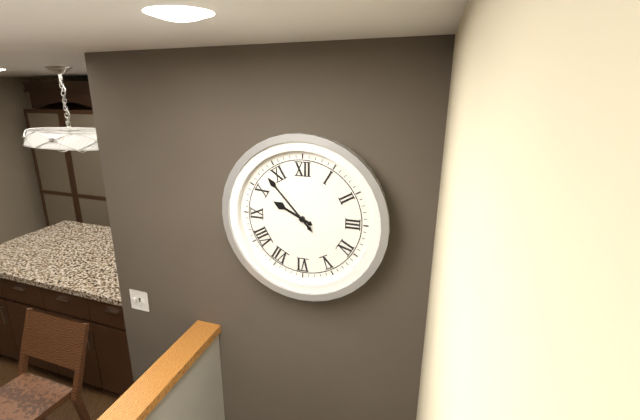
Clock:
9:53
